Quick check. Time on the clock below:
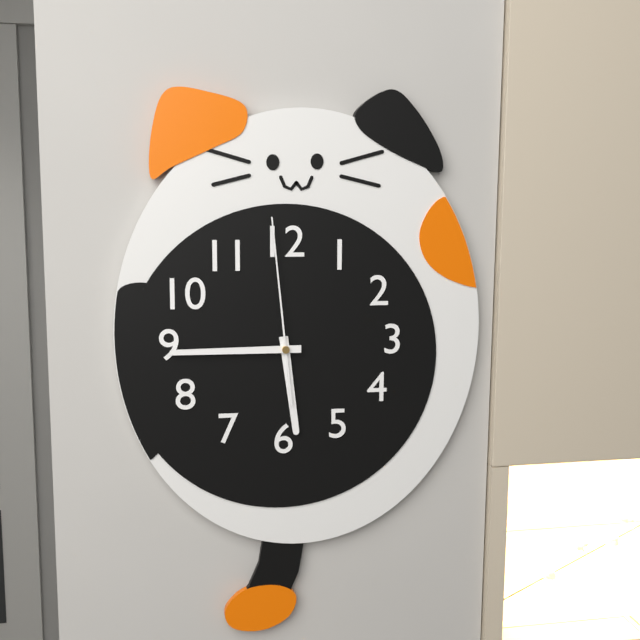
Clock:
5:45:59
